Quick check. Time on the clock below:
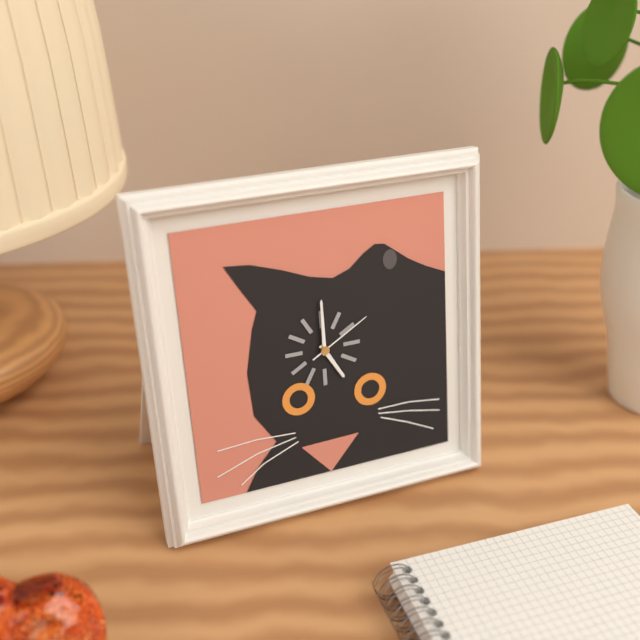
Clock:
5:00:10
